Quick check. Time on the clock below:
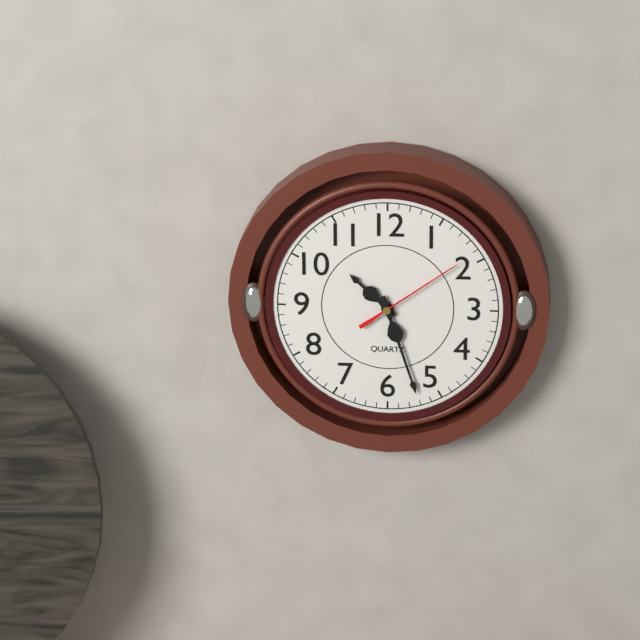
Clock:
10:27:09
